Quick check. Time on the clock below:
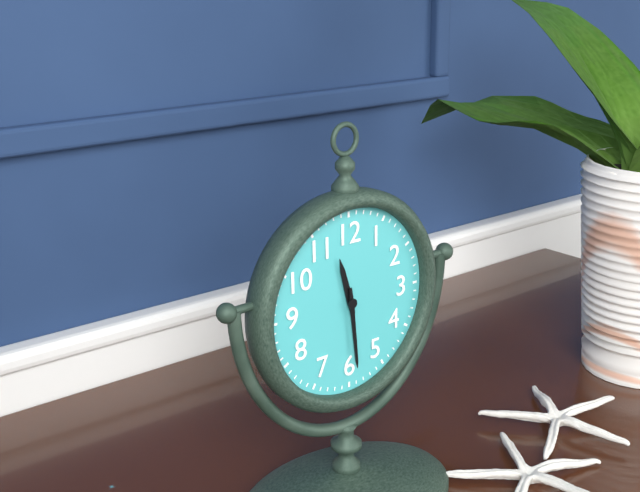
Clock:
11:29
